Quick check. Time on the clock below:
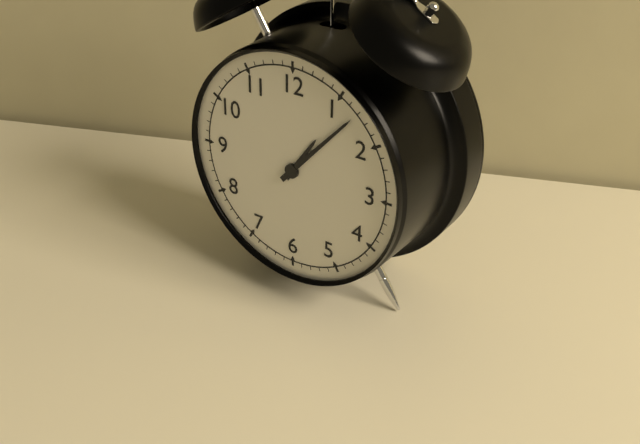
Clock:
1:07
